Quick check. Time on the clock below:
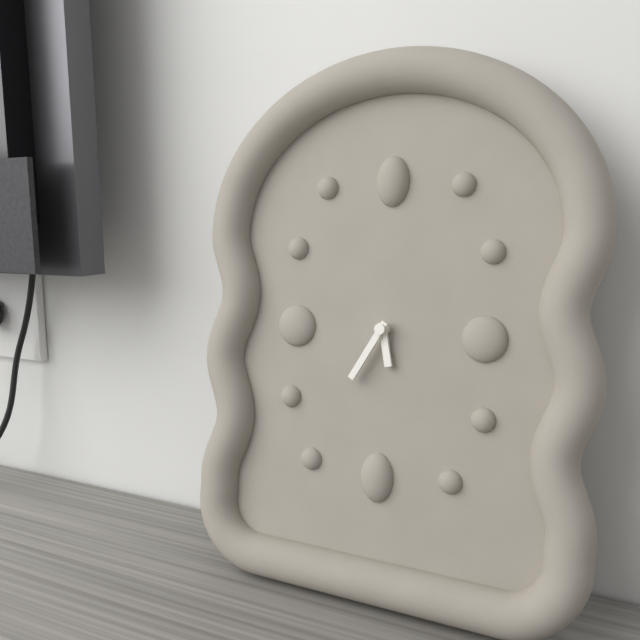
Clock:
5:35
